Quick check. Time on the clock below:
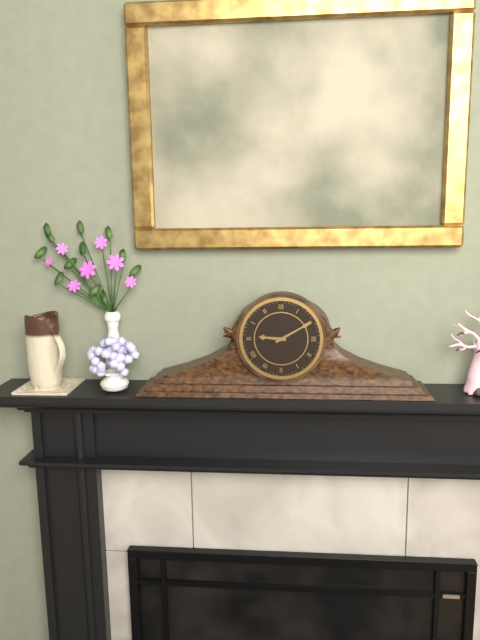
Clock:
9:10
